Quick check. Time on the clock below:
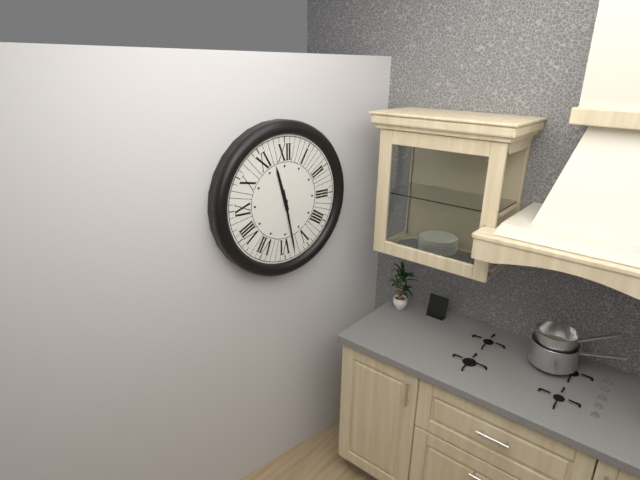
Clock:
11:28
